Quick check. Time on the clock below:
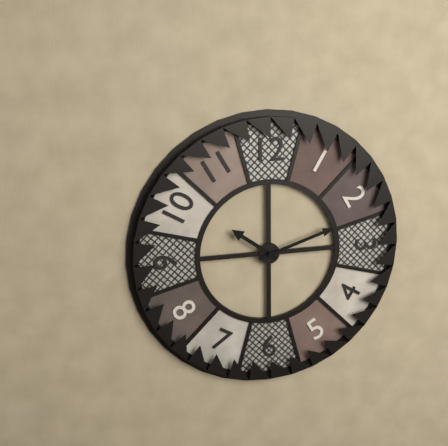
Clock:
10:12
